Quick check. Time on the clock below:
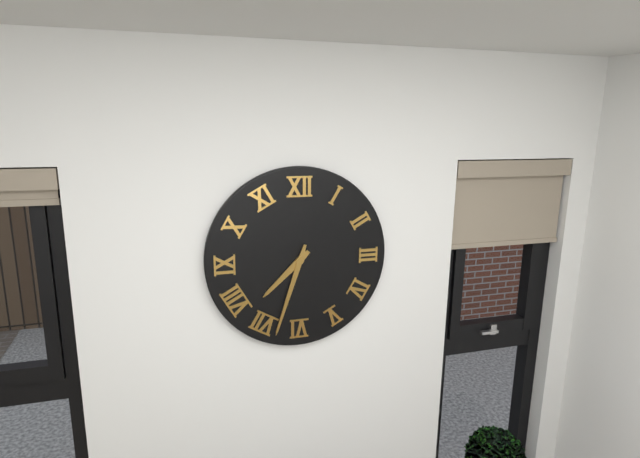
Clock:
7:33
